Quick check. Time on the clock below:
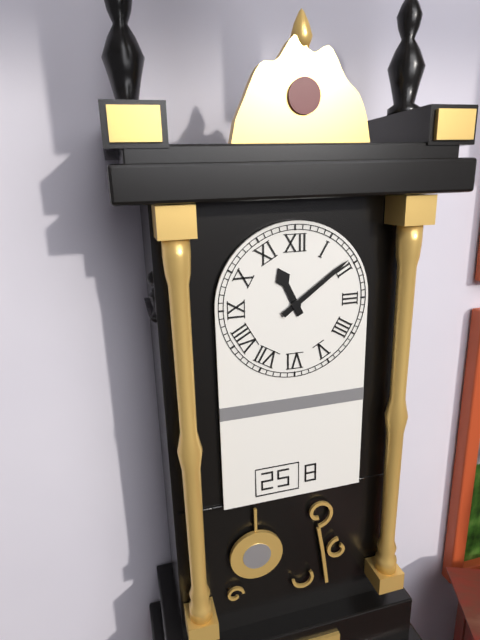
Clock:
11:09
